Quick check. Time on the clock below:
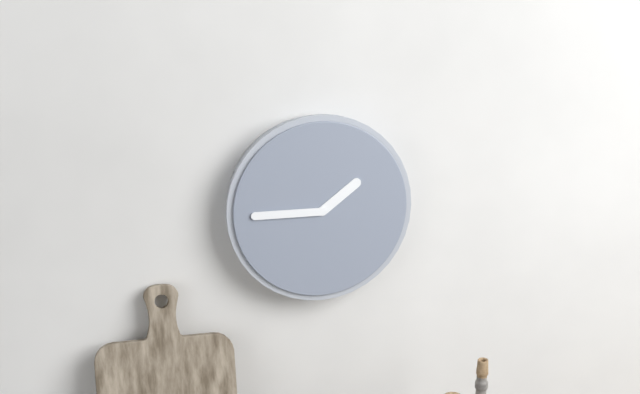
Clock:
1:45
